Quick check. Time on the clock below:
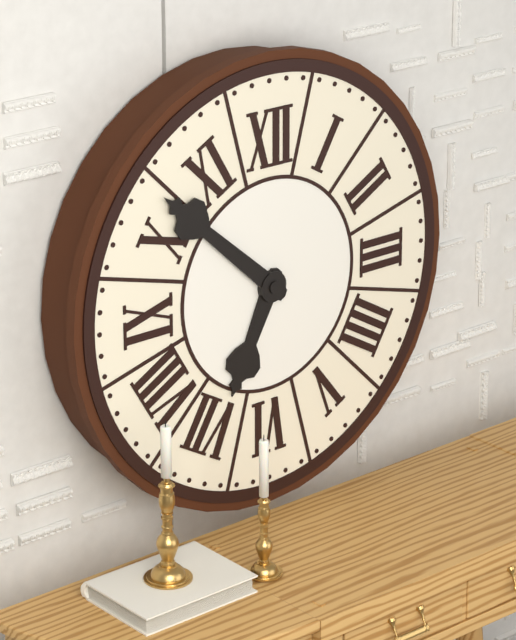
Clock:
6:52
